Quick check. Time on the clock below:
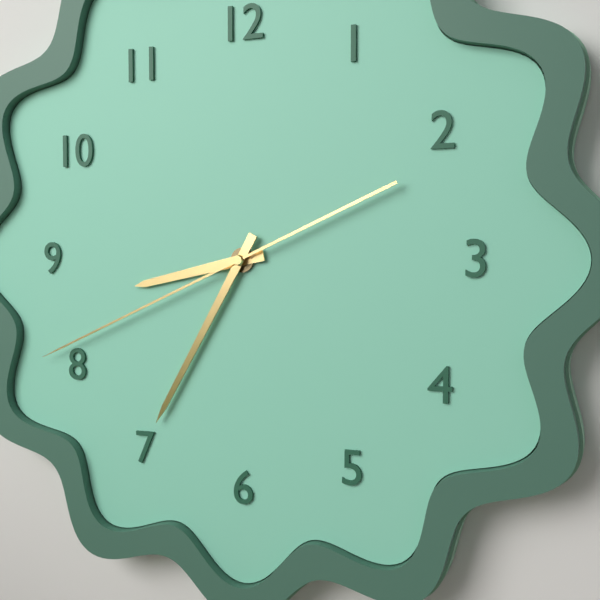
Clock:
8:35:41
